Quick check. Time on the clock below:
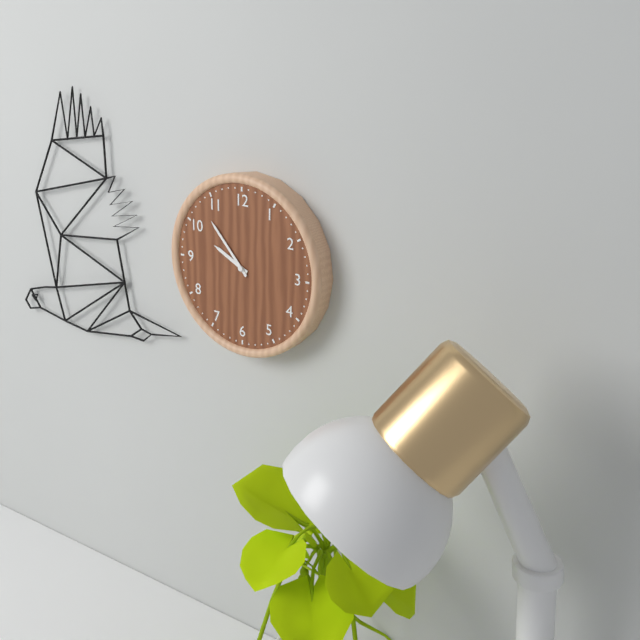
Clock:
9:53
